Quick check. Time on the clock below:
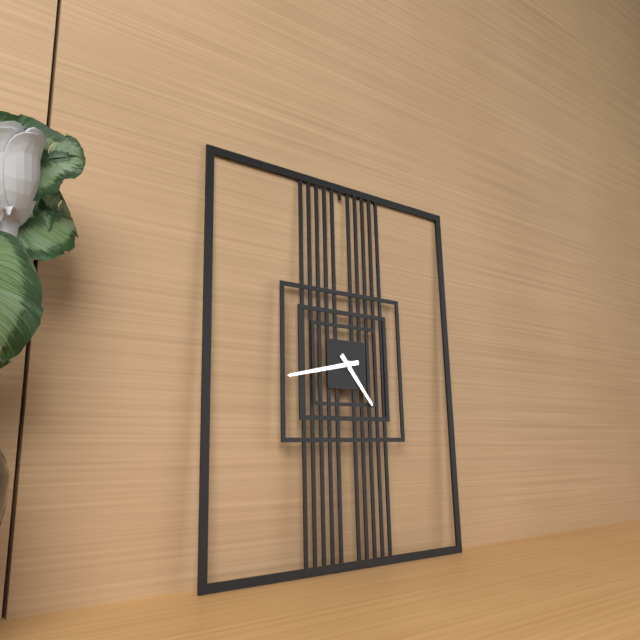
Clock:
4:43
